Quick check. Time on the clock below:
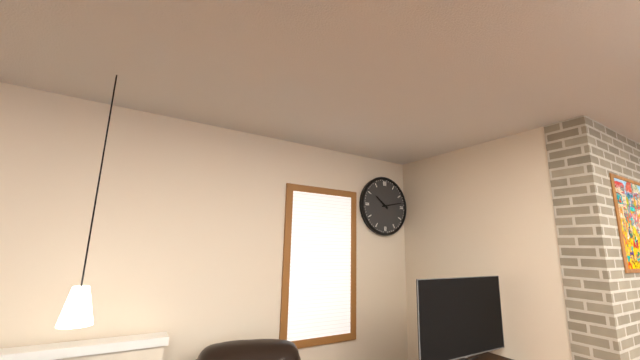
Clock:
10:13
